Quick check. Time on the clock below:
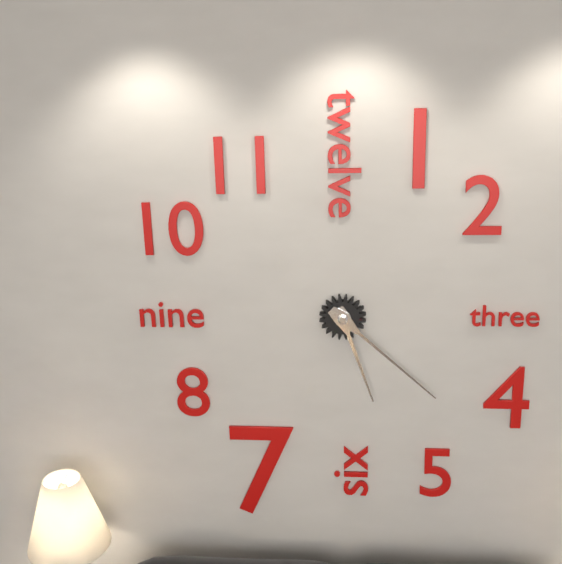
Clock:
5:22
